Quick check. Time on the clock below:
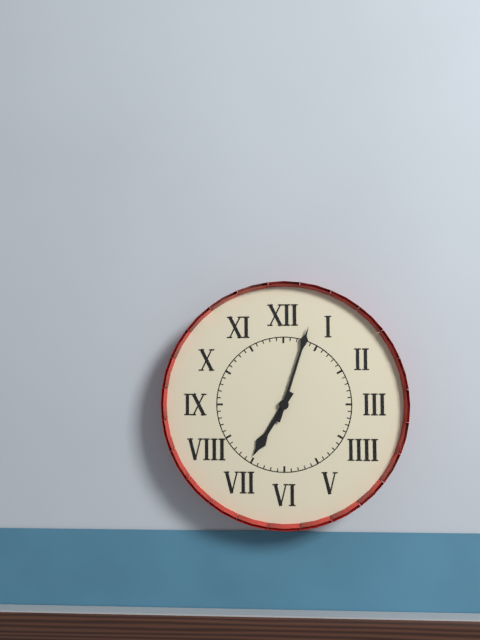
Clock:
7:03
